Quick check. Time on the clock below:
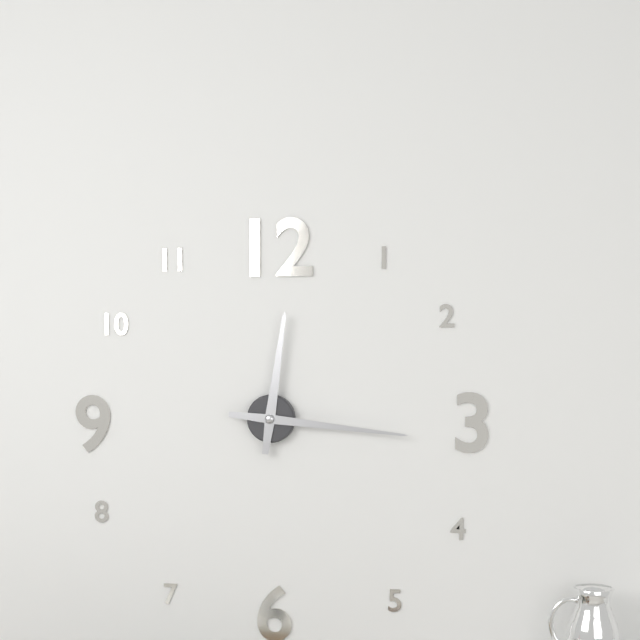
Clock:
12:16
